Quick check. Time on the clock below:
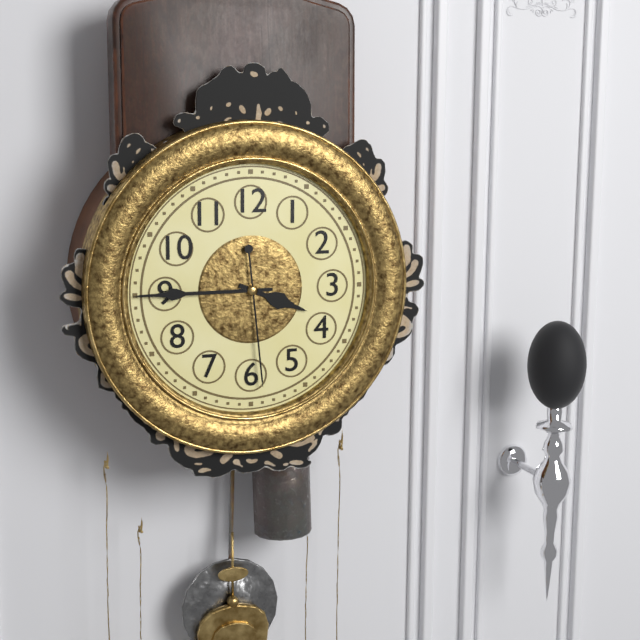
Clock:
3:45:29
